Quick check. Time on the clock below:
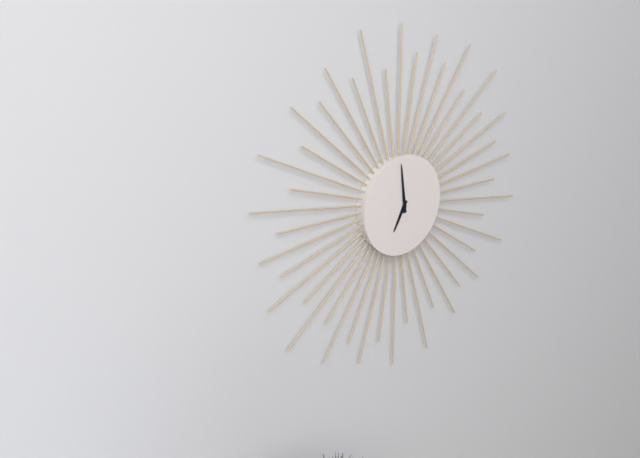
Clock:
6:59
